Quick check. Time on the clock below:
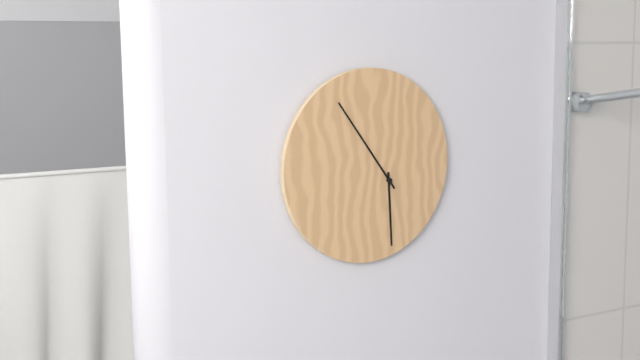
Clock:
5:54
